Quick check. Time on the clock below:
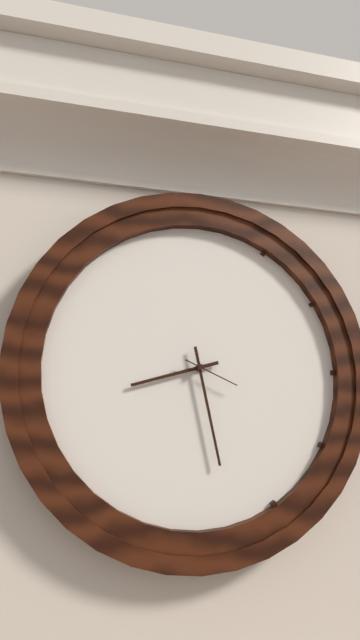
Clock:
8:28:19
